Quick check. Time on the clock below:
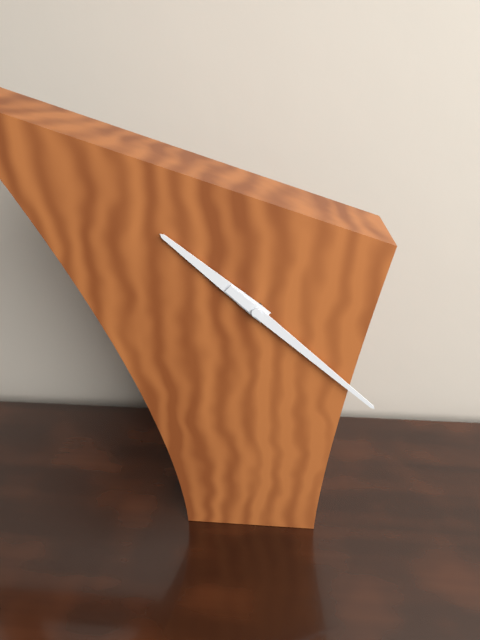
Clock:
10:22
